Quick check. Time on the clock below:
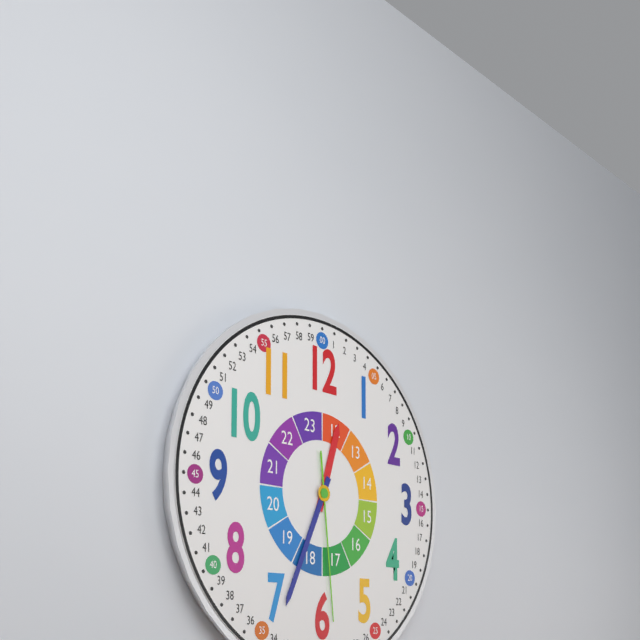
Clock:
12:34:29
